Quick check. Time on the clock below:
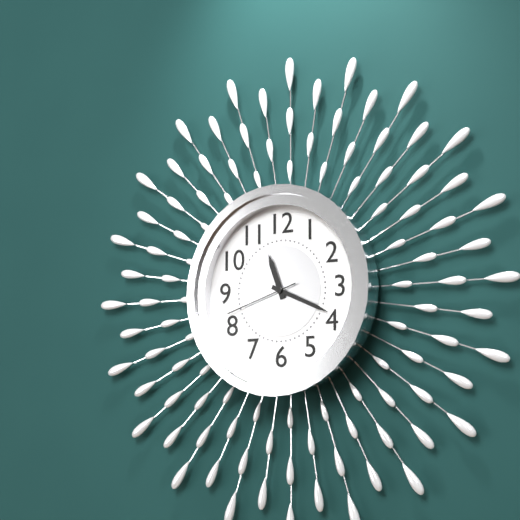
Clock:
11:19:42
